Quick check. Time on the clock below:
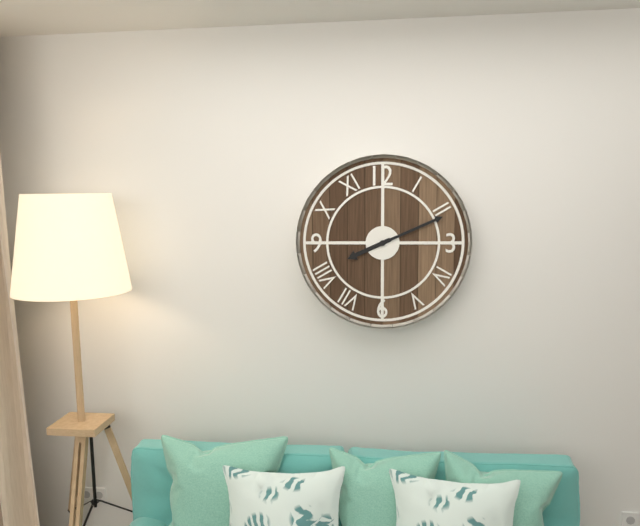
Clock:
8:11
